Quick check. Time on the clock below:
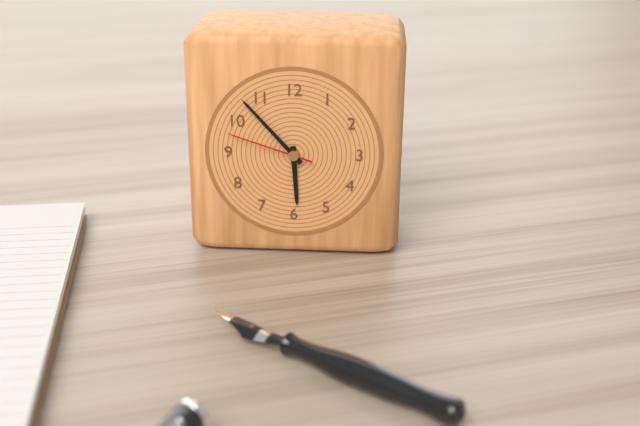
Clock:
5:53:48
